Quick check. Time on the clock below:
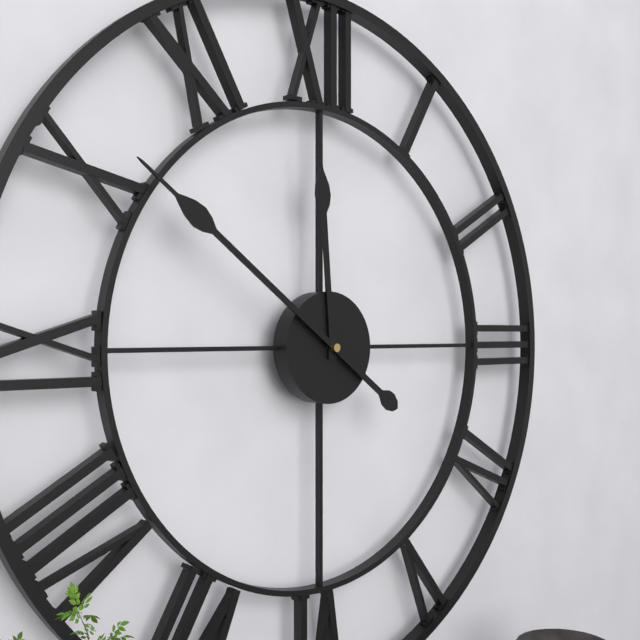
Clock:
11:51
